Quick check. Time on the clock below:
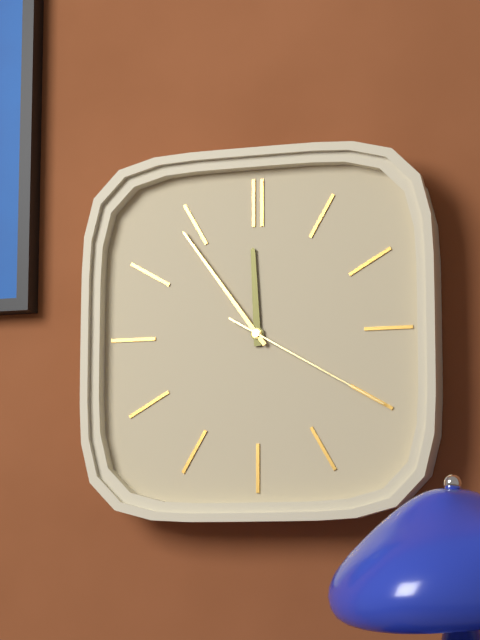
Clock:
11:54:20
